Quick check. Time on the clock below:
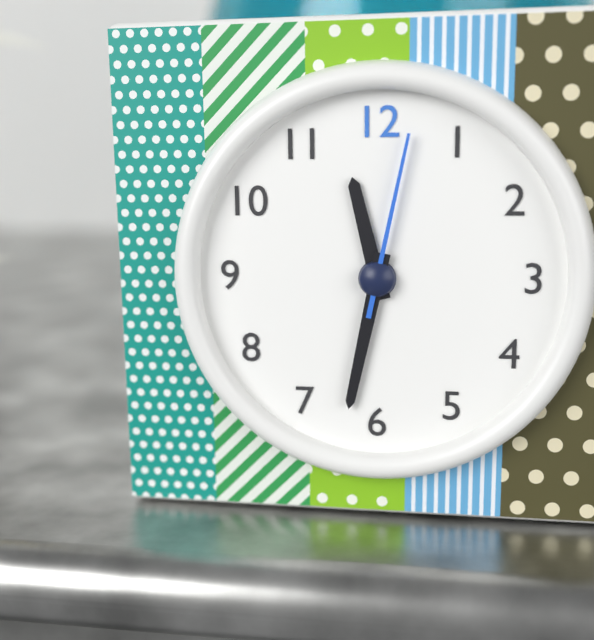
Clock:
11:32:02
